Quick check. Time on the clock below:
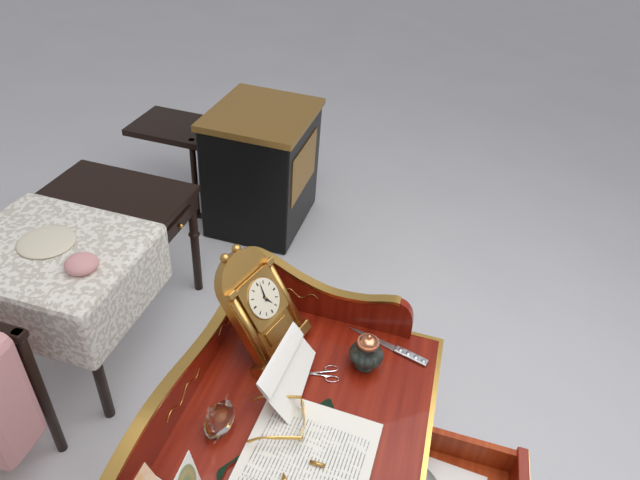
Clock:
5:02
